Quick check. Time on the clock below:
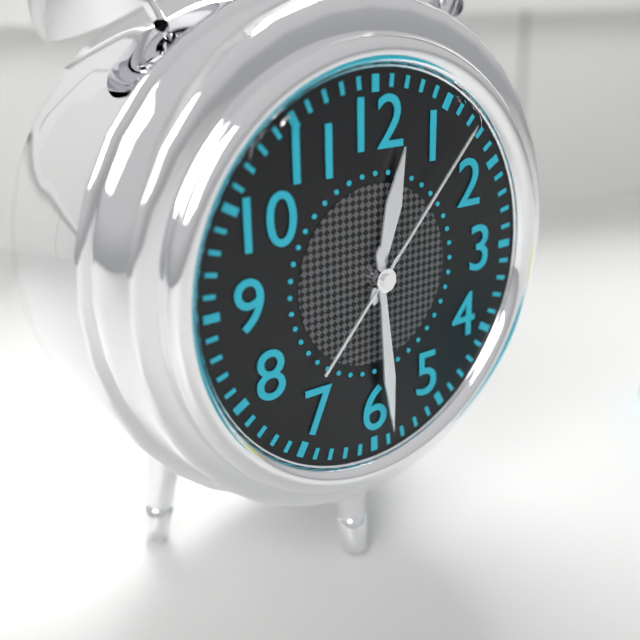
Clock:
12:29:07
